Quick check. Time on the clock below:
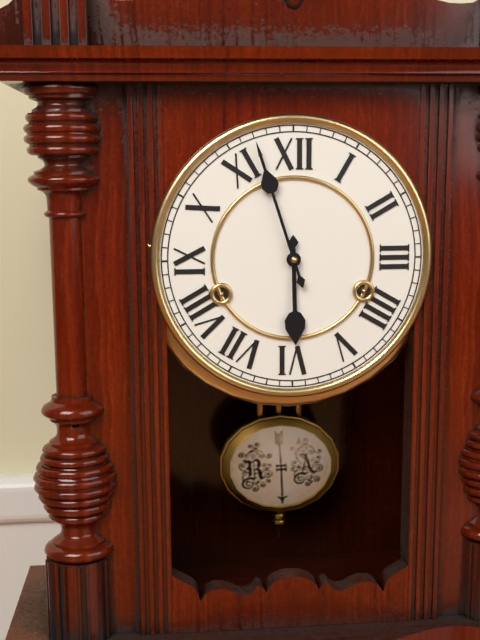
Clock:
5:57
